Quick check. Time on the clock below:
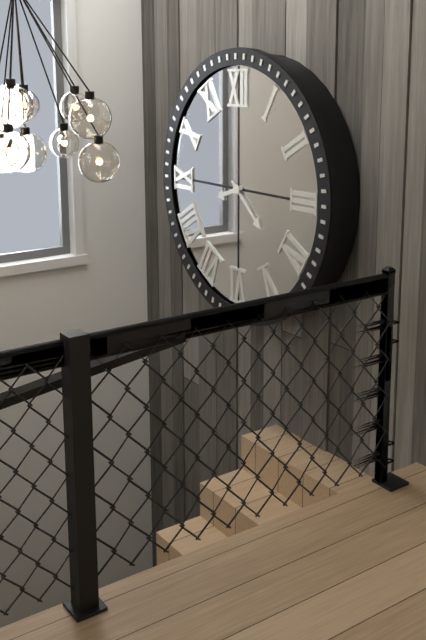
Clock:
8:22
